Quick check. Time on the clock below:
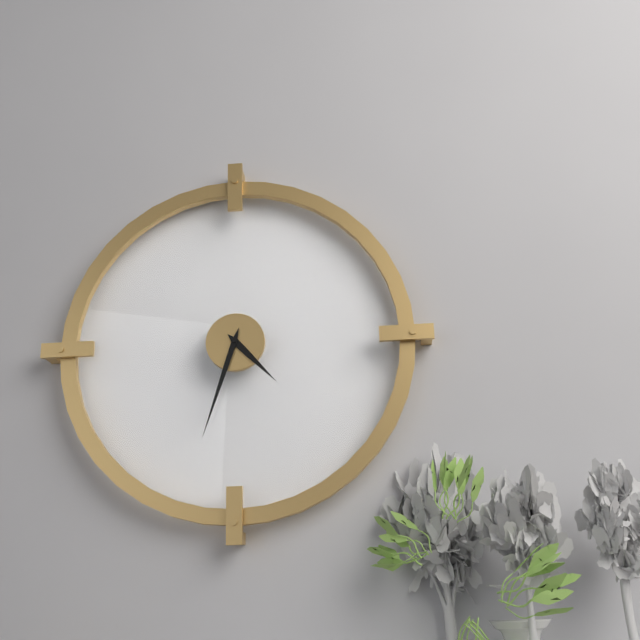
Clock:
4:33
